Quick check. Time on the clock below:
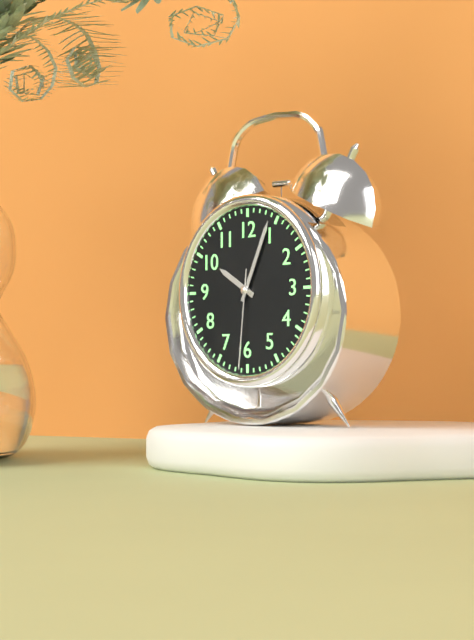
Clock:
10:04:31
